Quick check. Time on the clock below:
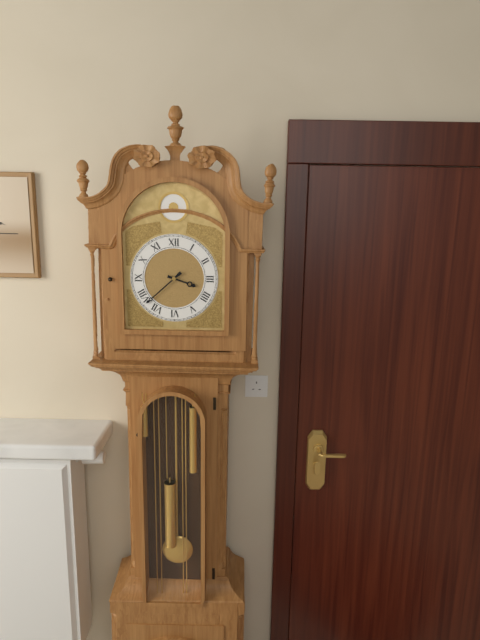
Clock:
3:38
